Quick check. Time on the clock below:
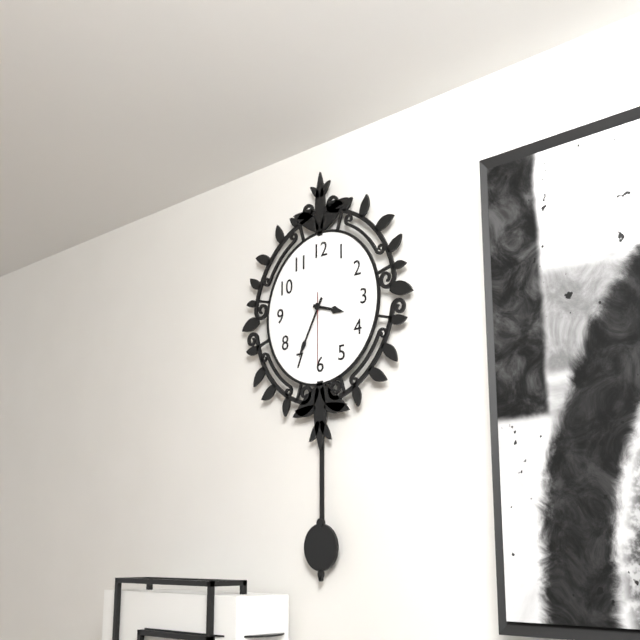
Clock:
3:35:30
